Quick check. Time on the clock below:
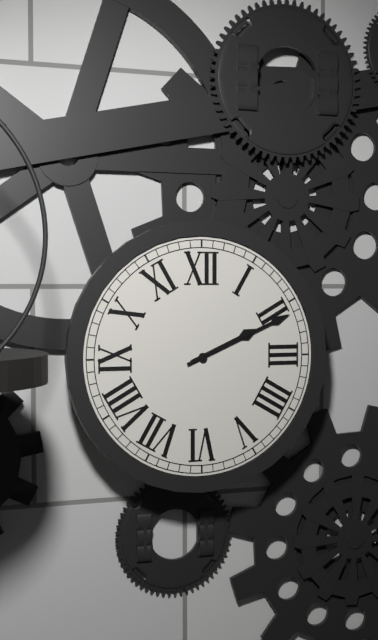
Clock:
2:11
